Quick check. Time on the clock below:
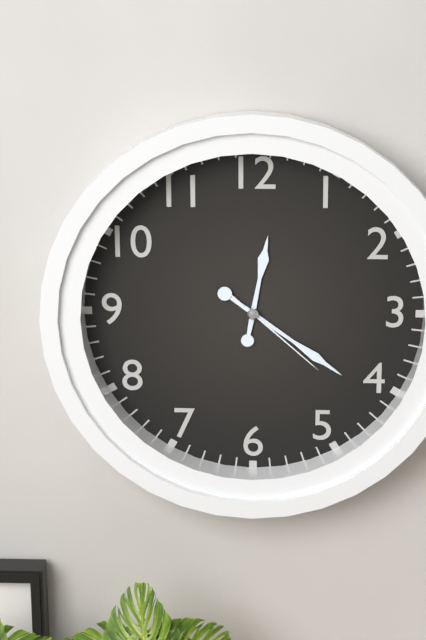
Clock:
12:21:22
